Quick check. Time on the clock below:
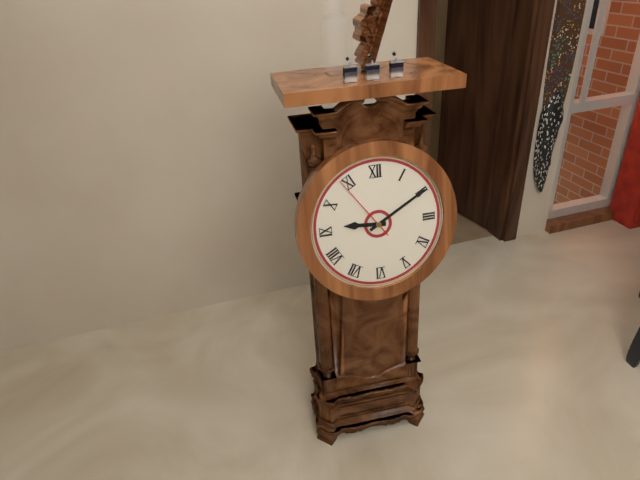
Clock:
9:10:54
